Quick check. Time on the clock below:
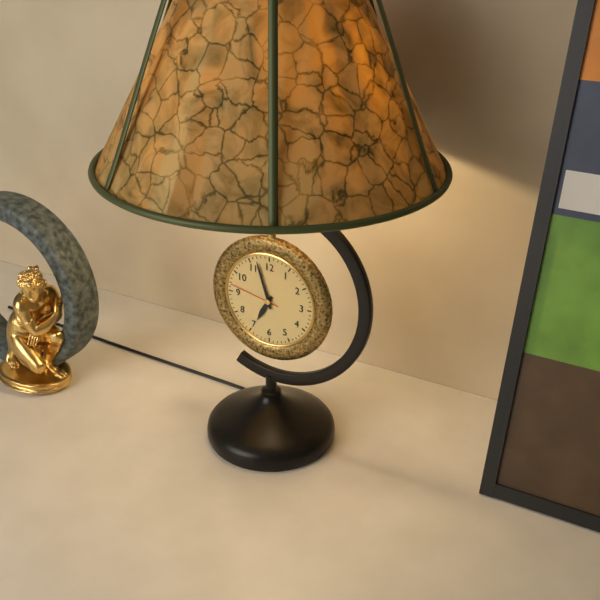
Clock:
6:57:47
